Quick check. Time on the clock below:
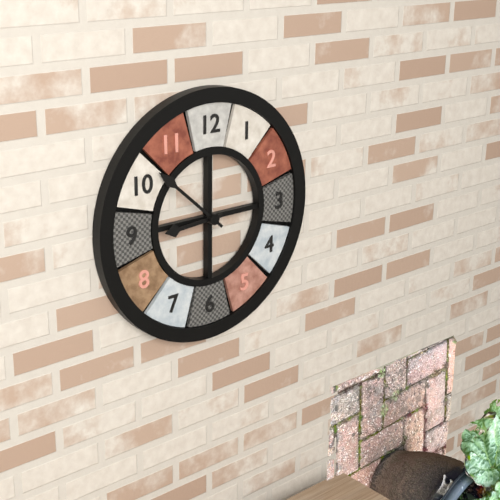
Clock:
8:52
